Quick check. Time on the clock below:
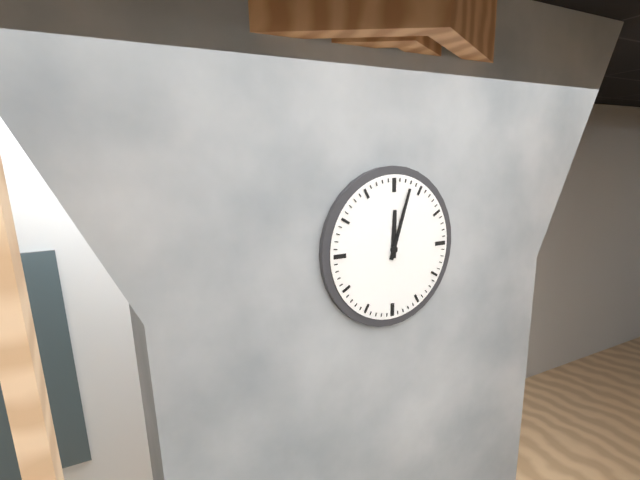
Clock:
12:03
